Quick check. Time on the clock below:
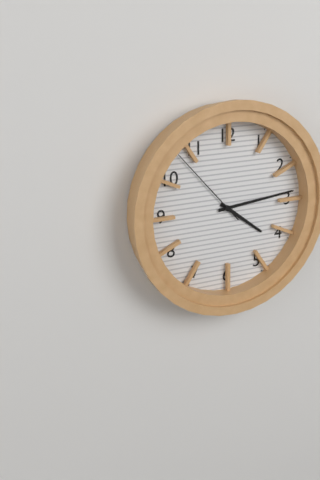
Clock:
4:14:53
